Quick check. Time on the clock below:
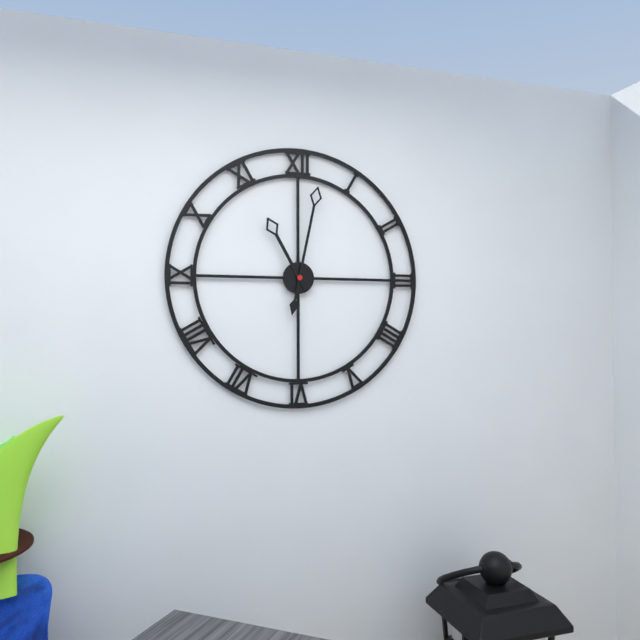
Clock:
11:02
